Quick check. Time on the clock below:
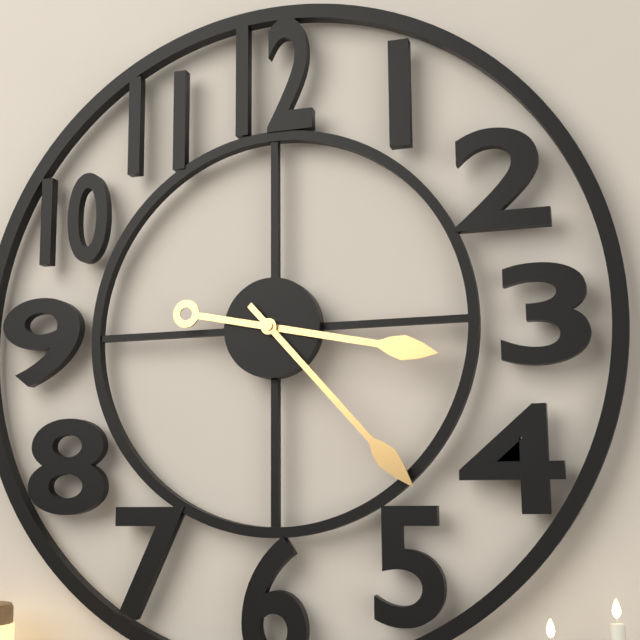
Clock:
3:23
